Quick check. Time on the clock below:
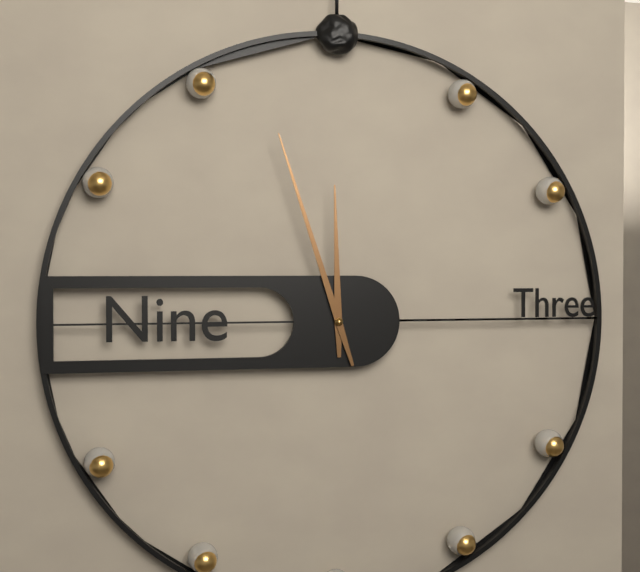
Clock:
11:57
